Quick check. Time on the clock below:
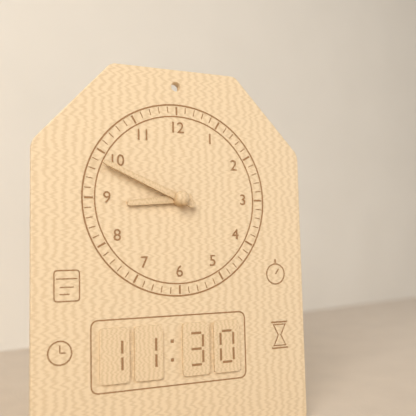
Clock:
8:49
